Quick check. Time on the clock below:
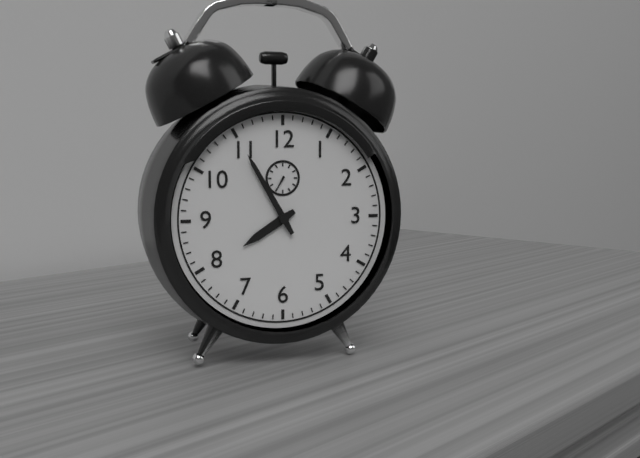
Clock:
7:55
